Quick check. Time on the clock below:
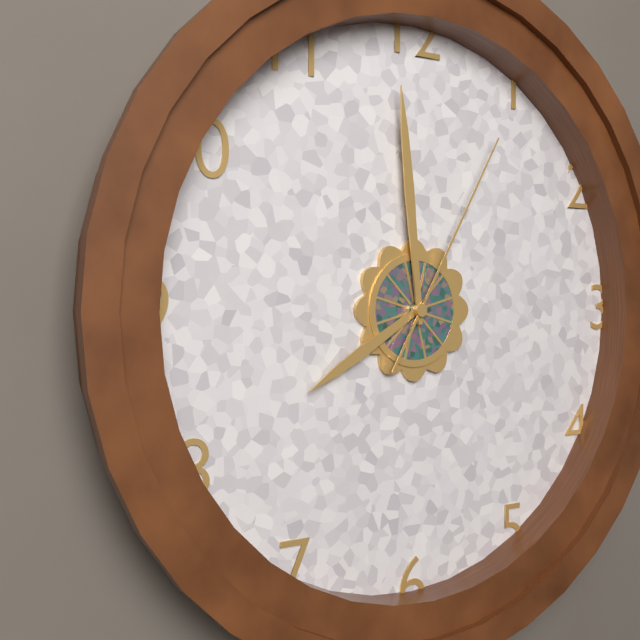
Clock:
7:59:05
